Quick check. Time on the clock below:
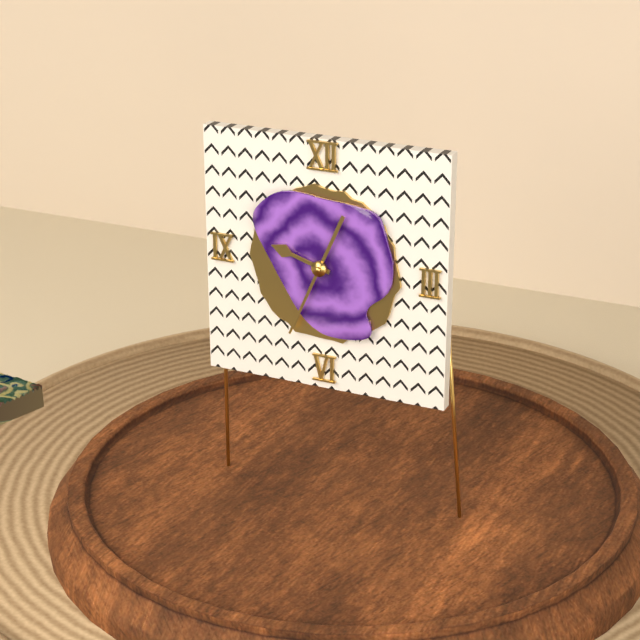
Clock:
9:34
